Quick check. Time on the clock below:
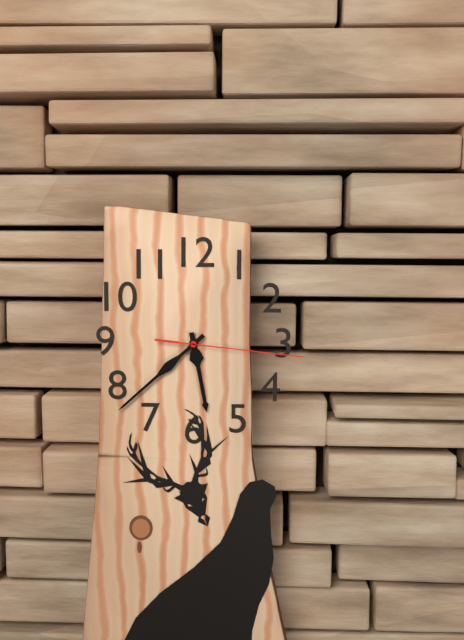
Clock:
5:38:16
